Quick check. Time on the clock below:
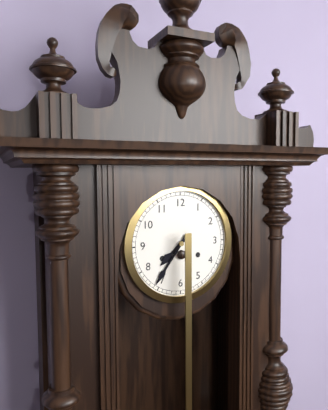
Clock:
7:36
